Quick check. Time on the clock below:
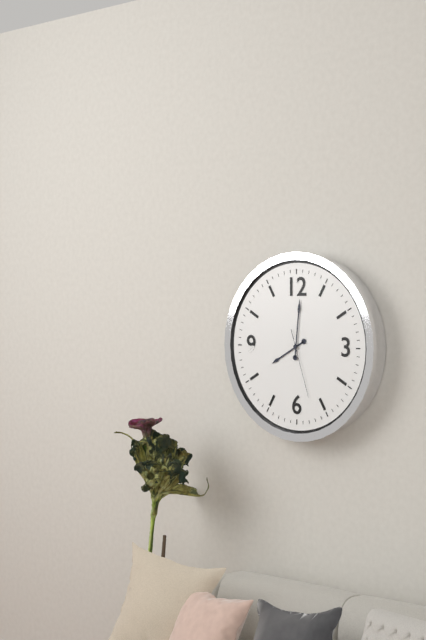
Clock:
8:01:27
